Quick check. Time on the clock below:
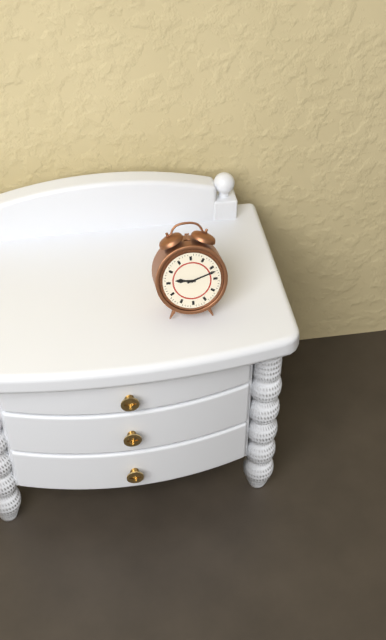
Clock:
9:12
